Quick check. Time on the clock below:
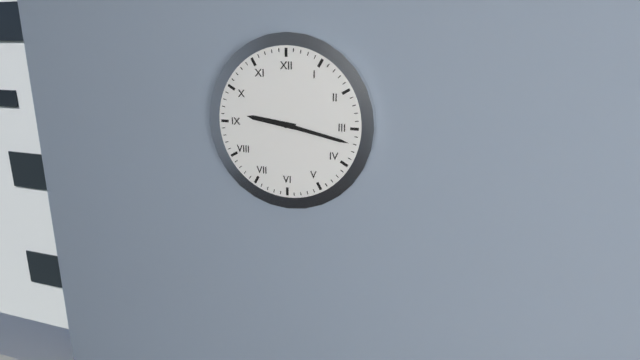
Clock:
9:17
